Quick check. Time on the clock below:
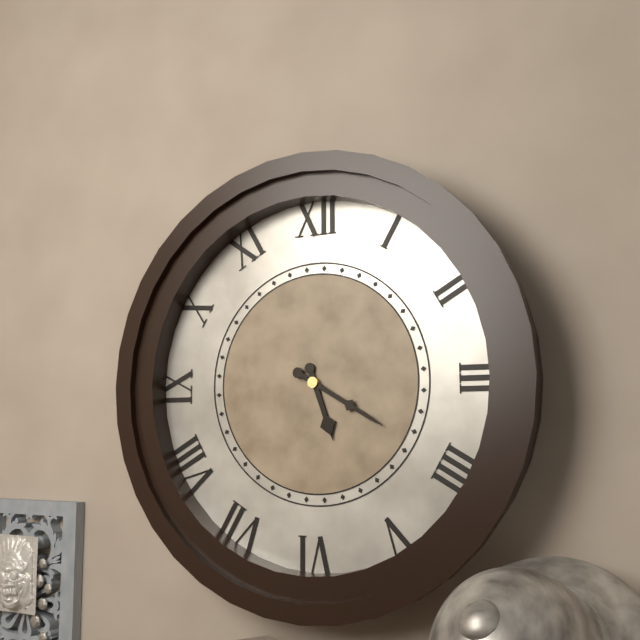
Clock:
5:20
